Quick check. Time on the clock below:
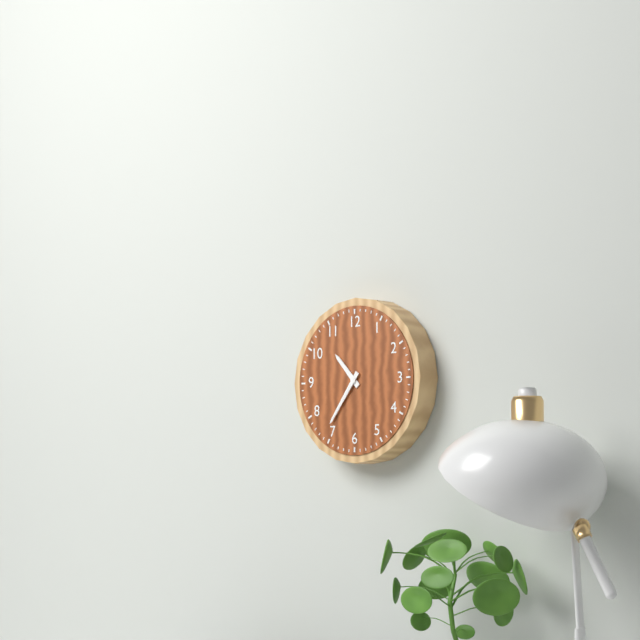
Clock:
10:36
